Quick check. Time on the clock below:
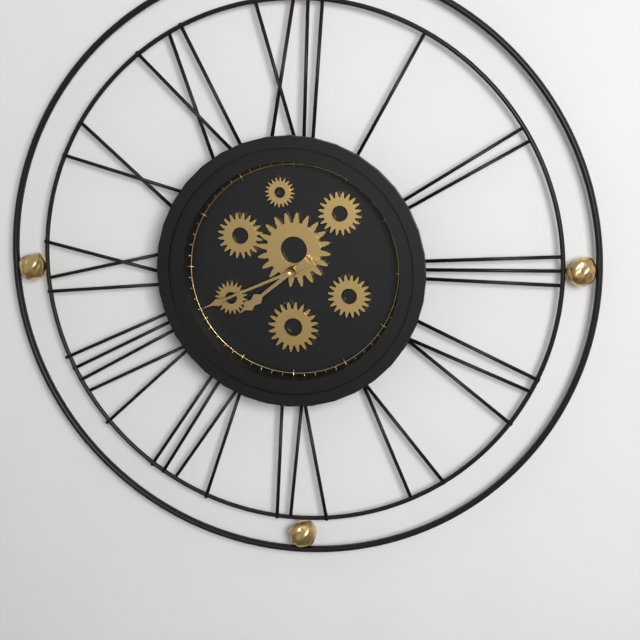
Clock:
7:41
